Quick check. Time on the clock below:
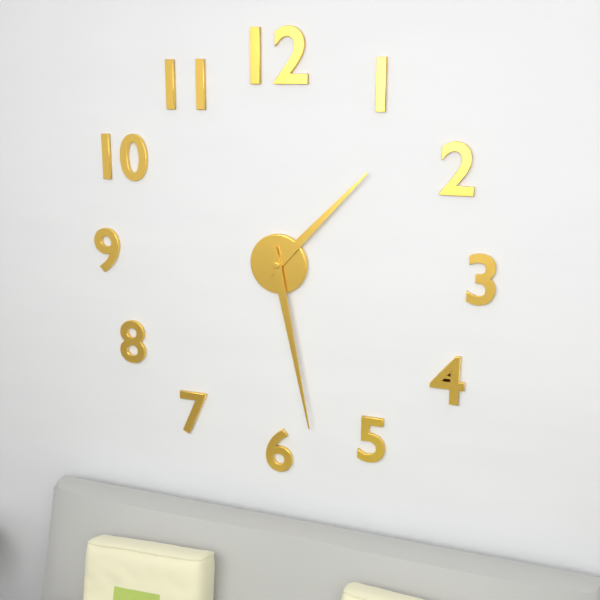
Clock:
1:28
